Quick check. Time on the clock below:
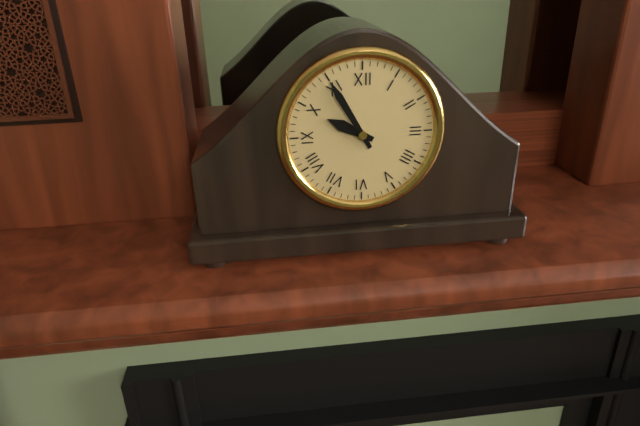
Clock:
9:55
